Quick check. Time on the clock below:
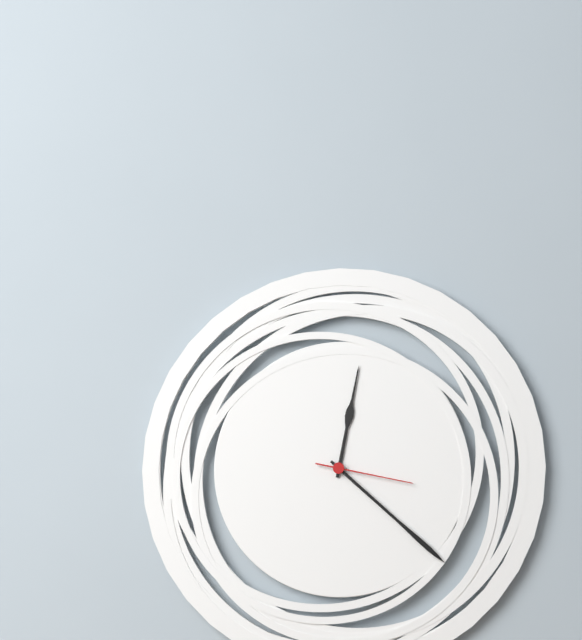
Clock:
12:22:17
